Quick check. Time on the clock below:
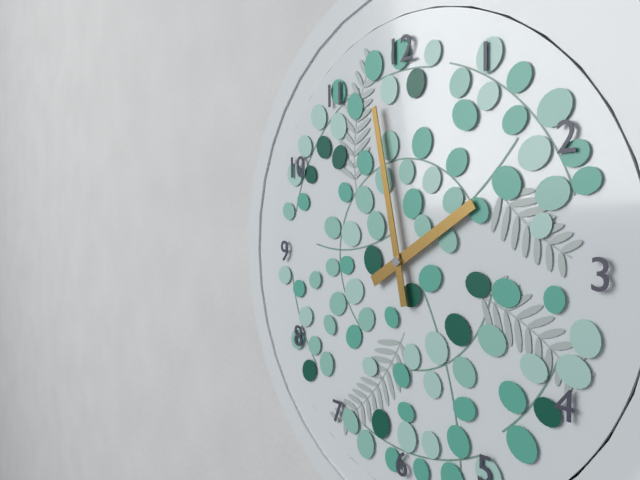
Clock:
1:58
